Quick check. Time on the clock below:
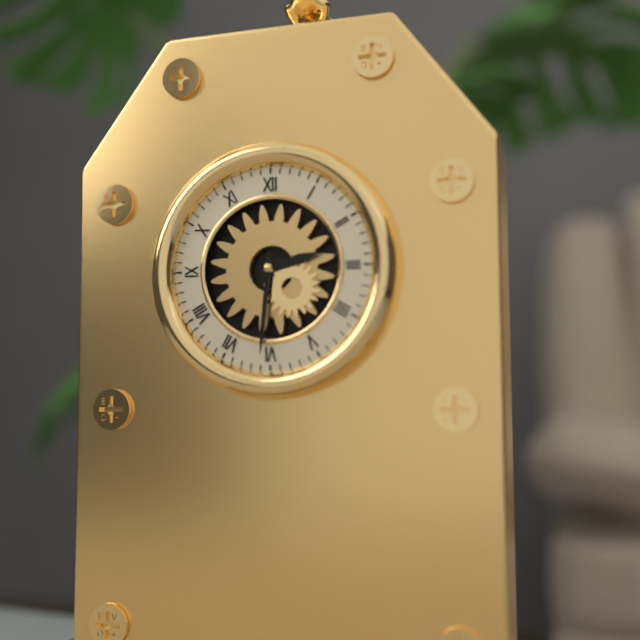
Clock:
2:31
